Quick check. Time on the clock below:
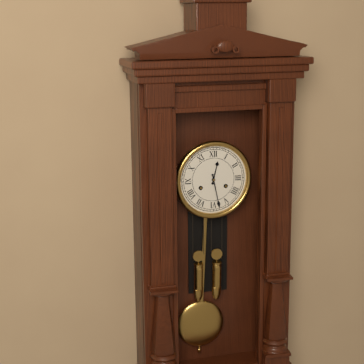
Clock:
12:28
